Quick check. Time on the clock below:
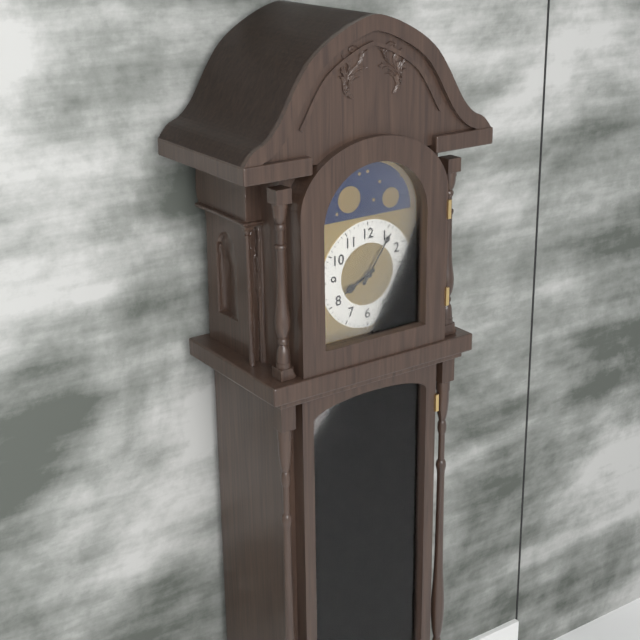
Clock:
8:06
